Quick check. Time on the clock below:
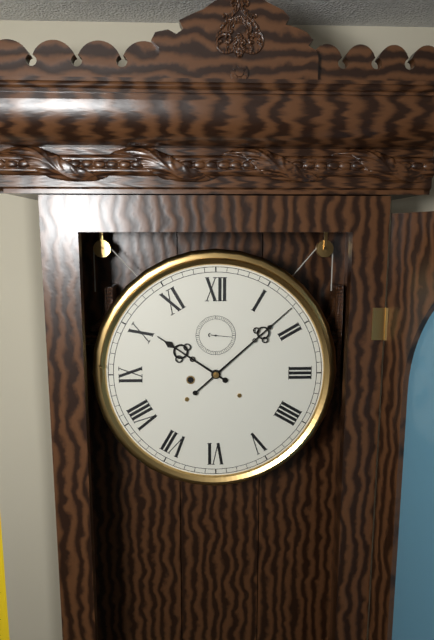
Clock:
10:08
